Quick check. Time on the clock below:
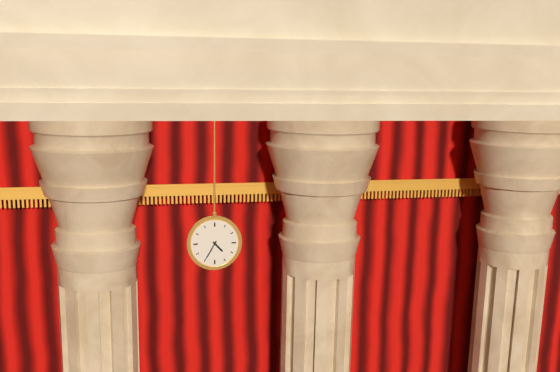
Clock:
4:35
